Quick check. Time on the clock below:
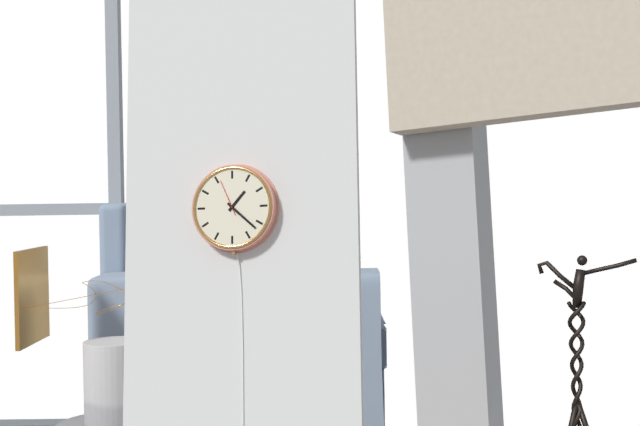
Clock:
1:22
